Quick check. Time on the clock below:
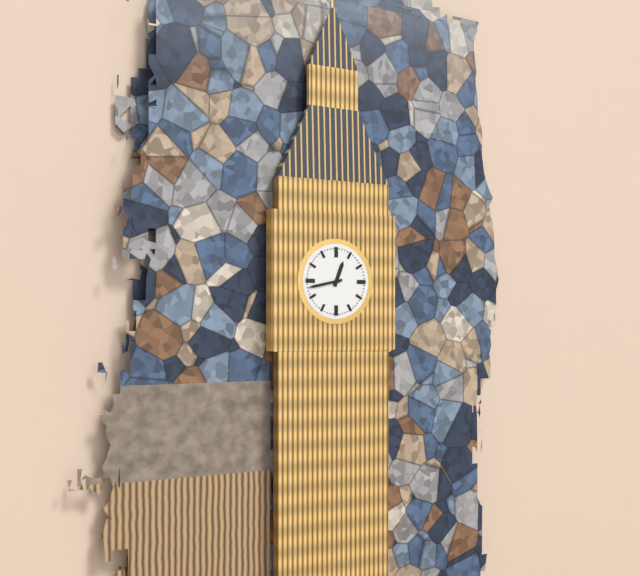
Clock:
12:43
